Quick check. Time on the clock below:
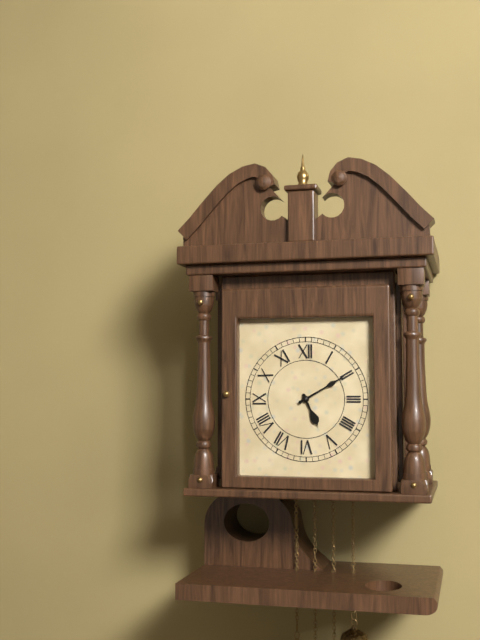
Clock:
5:10
